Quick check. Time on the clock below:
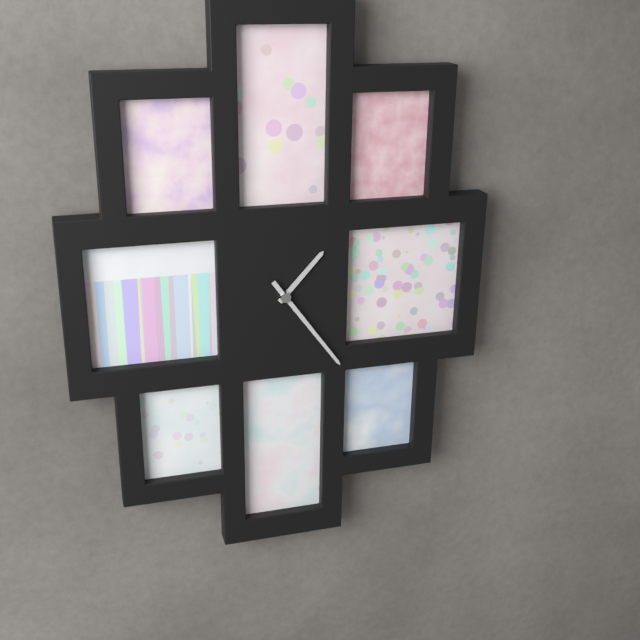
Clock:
1:24
